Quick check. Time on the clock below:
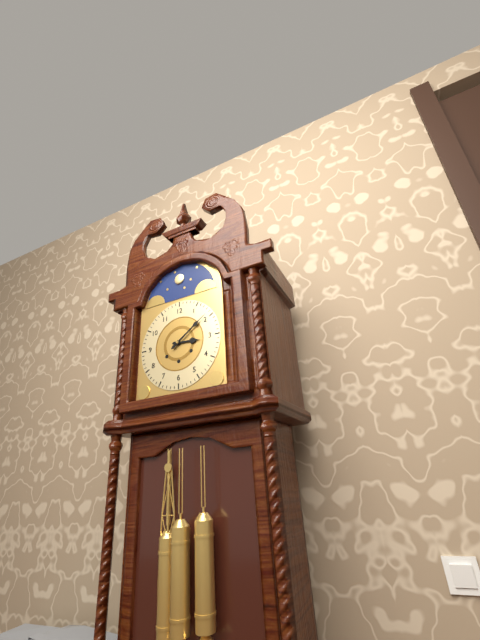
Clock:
3:09
